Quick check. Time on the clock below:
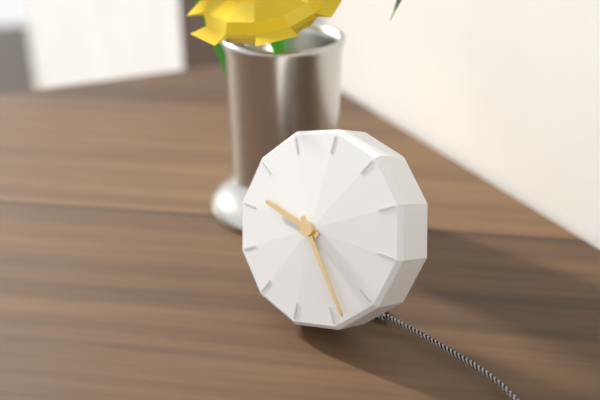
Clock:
9:23
